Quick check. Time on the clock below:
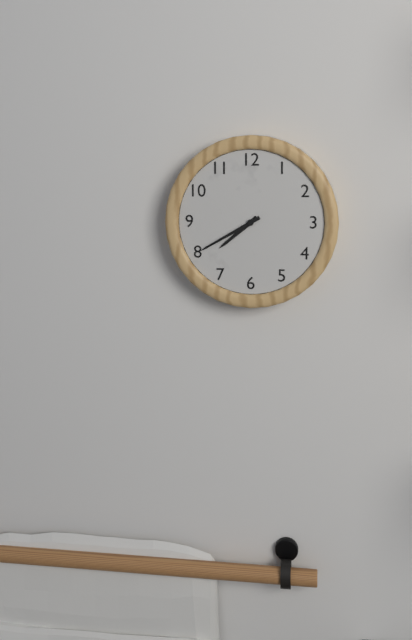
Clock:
7:40
